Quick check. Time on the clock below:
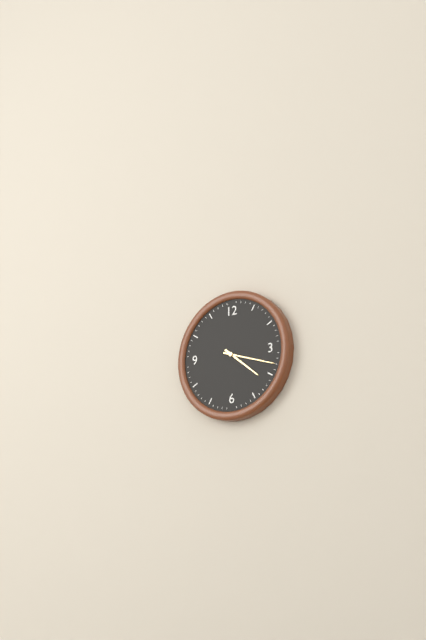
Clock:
4:18
